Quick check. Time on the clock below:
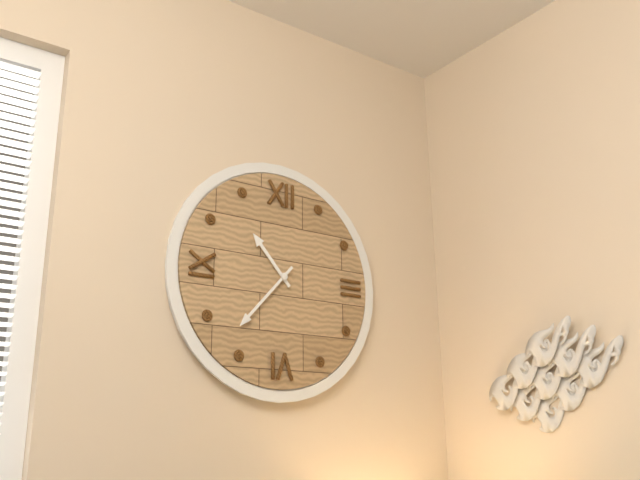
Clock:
10:37
